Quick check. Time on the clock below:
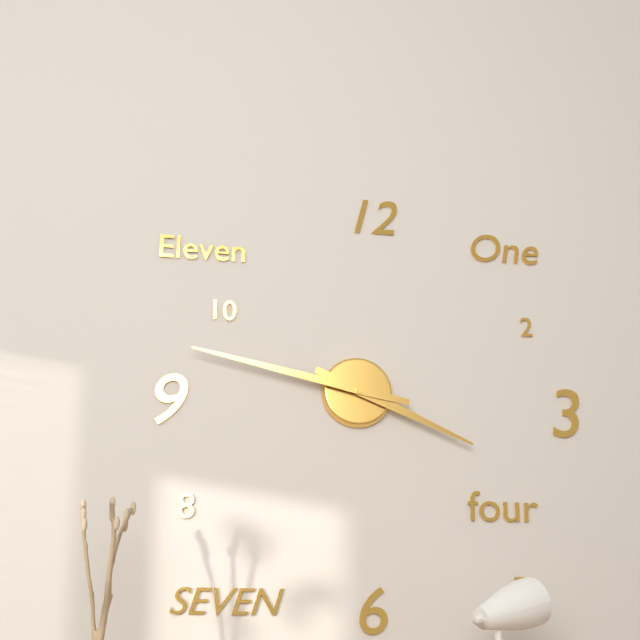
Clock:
3:47
